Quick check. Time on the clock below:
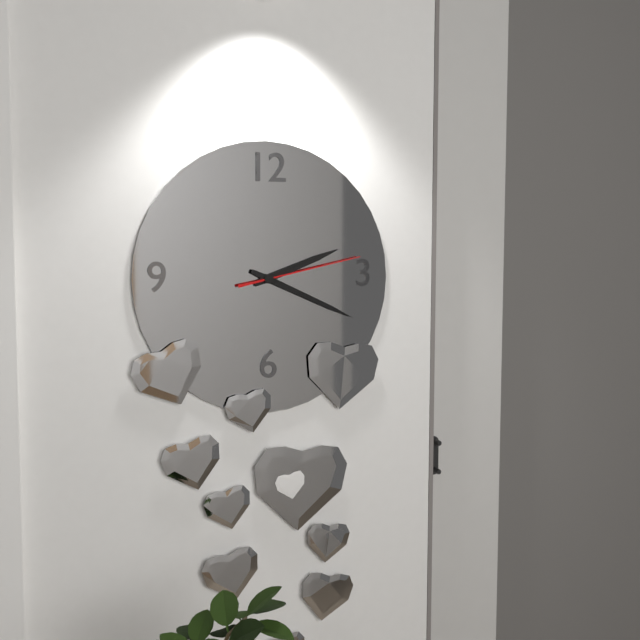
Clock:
2:19:13
